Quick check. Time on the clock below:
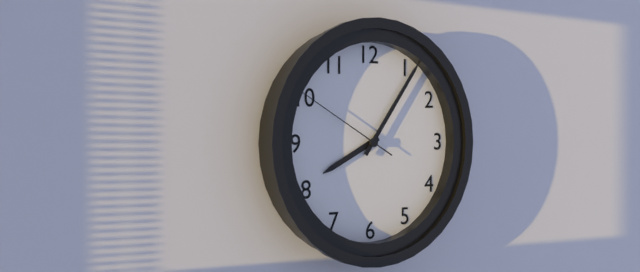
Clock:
8:06:50
